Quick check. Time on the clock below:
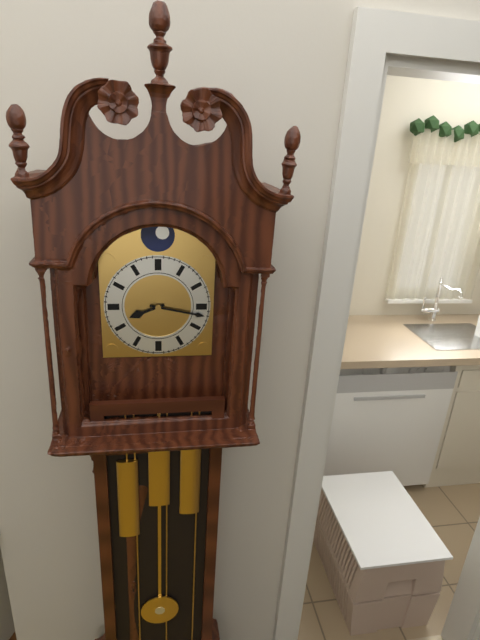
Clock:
8:17
